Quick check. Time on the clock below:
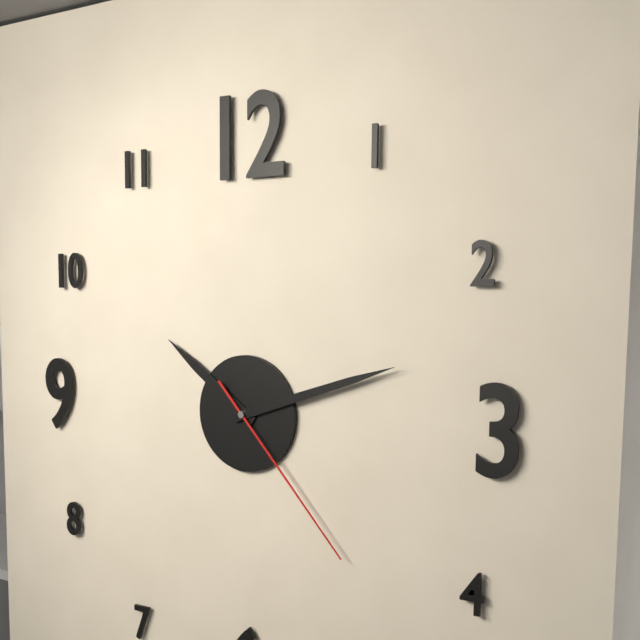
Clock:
10:12:23
